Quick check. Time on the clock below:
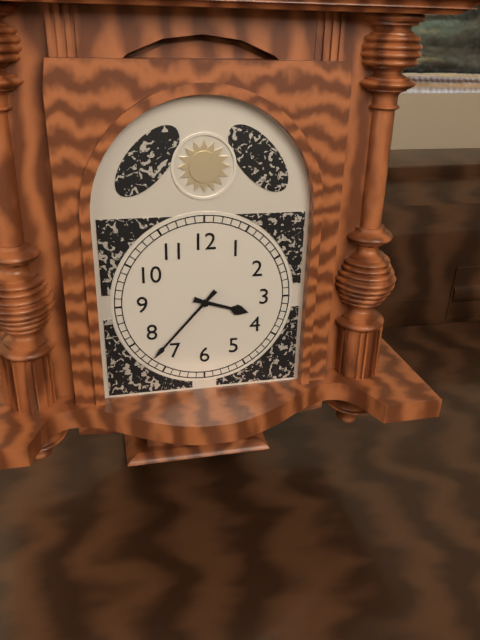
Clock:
3:37
